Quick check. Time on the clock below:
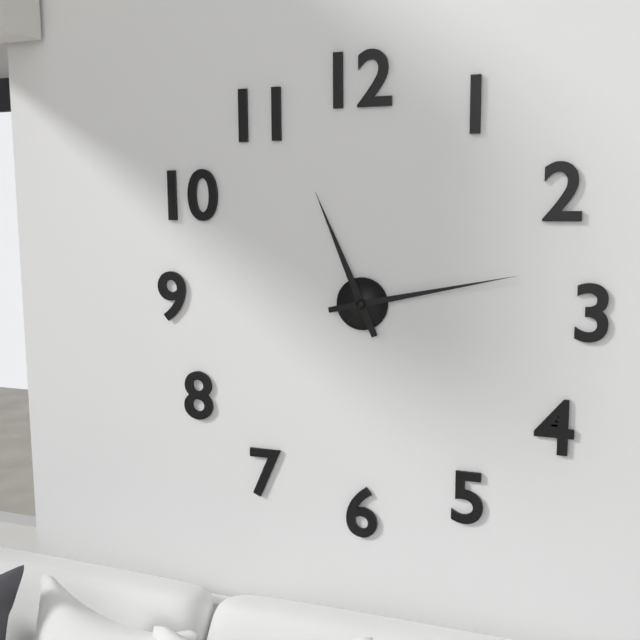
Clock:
11:13
